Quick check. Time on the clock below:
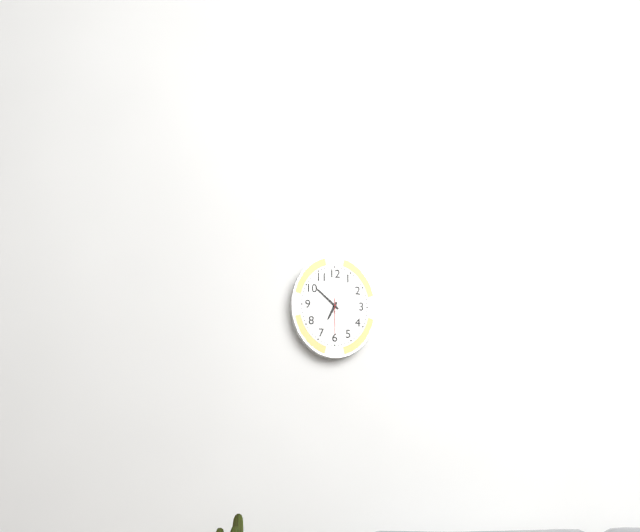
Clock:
6:52
